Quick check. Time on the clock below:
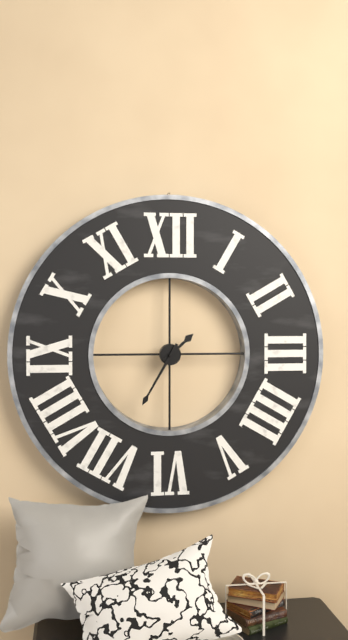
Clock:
1:35
